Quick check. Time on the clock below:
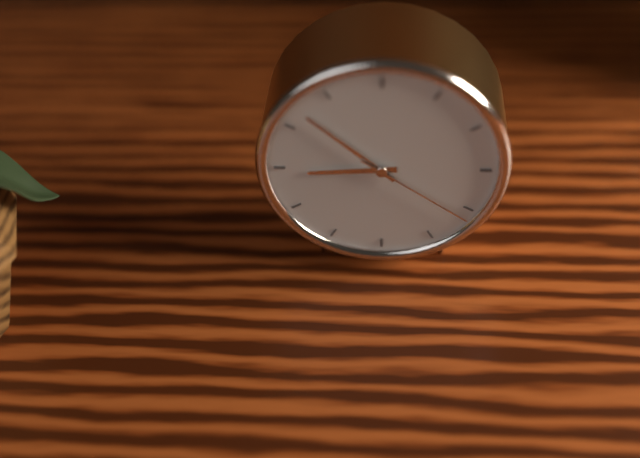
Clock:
8:52:21
